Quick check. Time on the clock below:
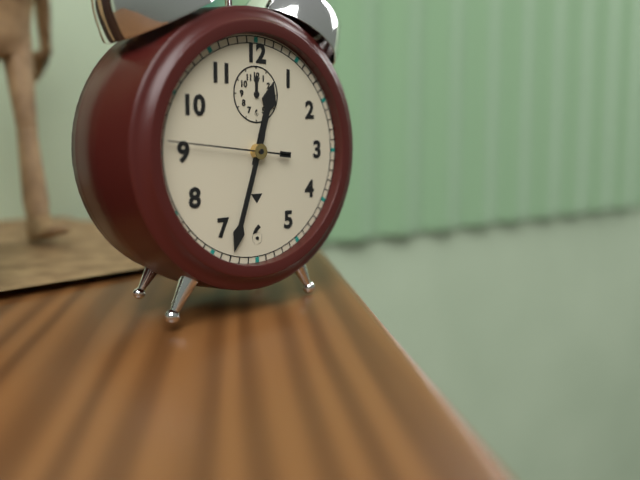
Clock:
12:33:46
